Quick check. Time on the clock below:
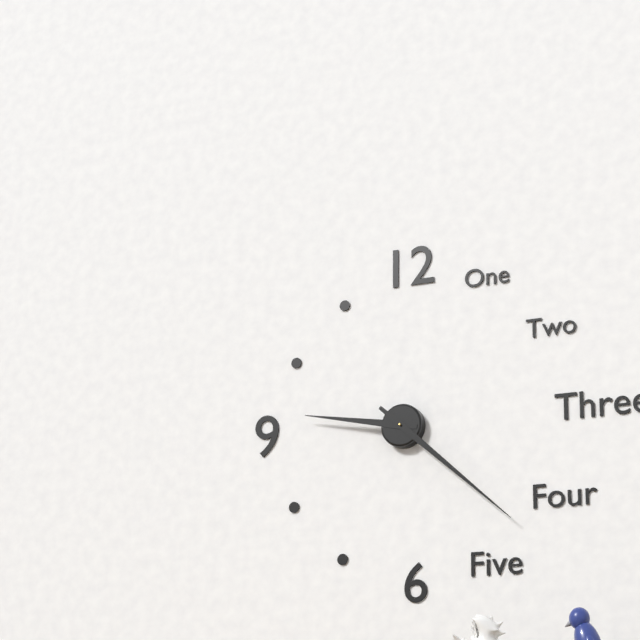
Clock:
9:22
